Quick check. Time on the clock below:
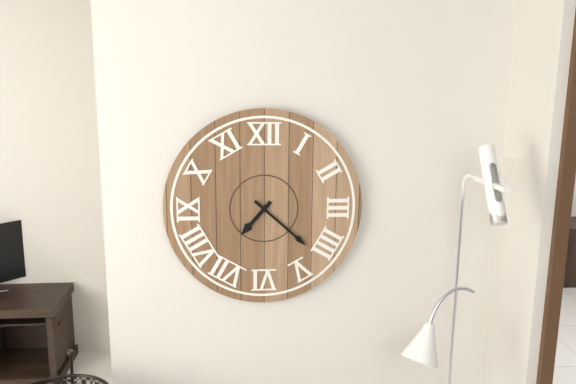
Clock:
7:22
